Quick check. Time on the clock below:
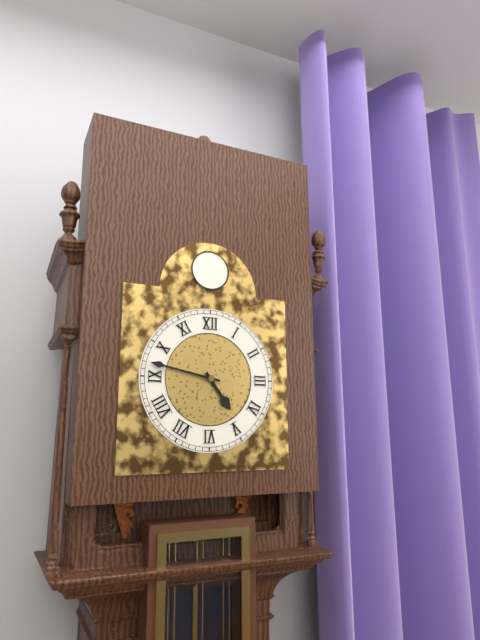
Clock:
4:47
